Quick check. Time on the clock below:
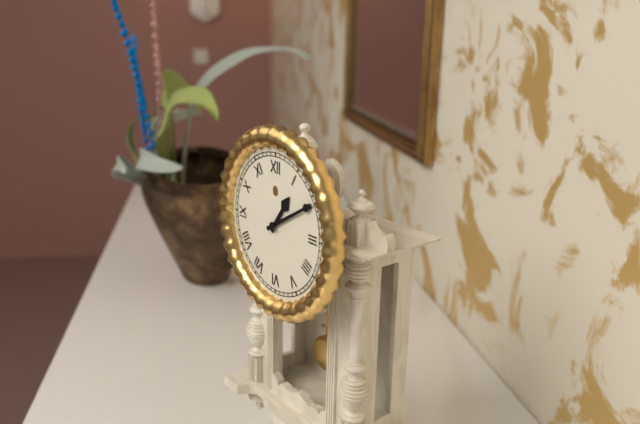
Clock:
1:10
